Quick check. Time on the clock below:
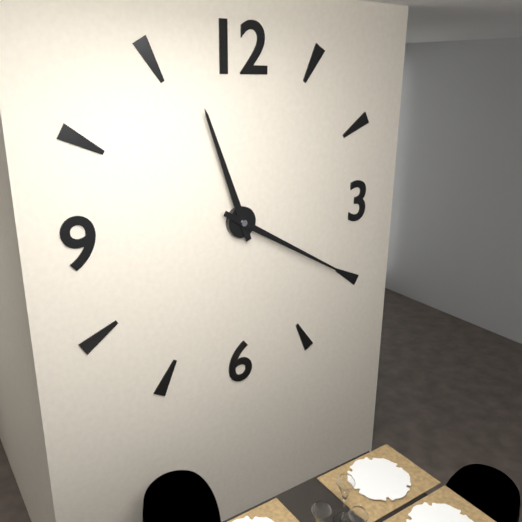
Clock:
11:20
